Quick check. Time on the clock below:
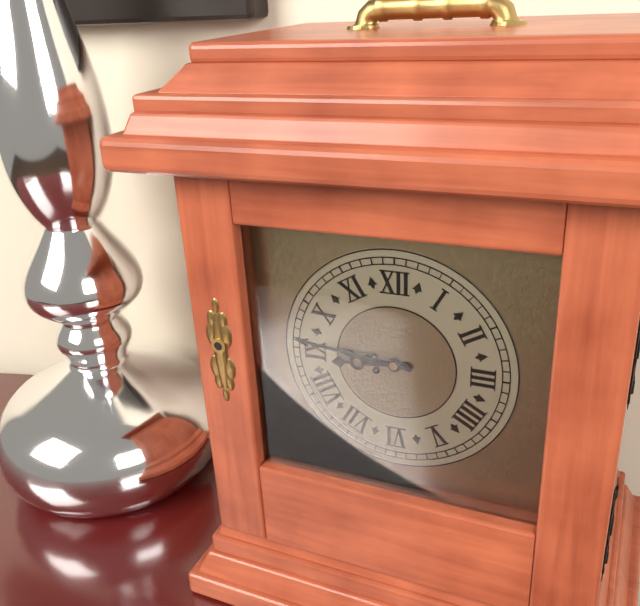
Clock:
8:46
